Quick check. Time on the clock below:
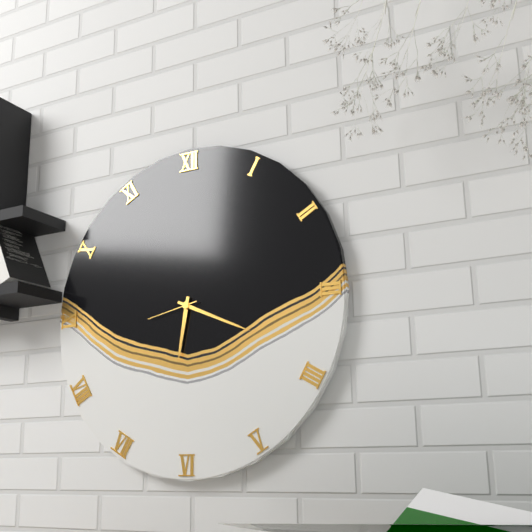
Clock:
6:19:43
